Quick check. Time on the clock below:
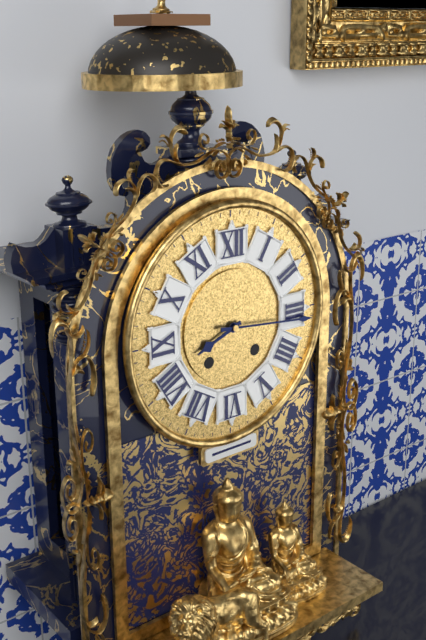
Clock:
8:16
